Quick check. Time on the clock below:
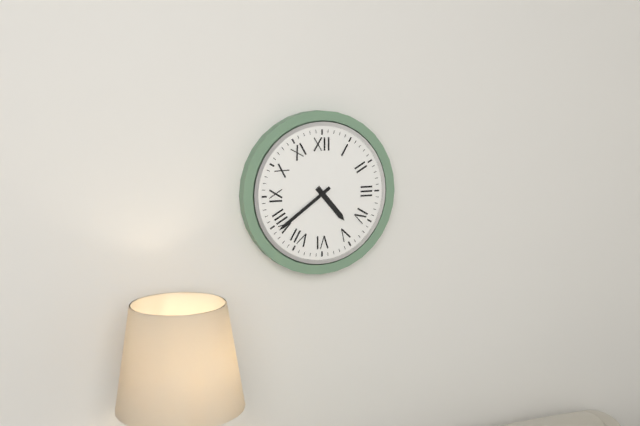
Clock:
4:39
